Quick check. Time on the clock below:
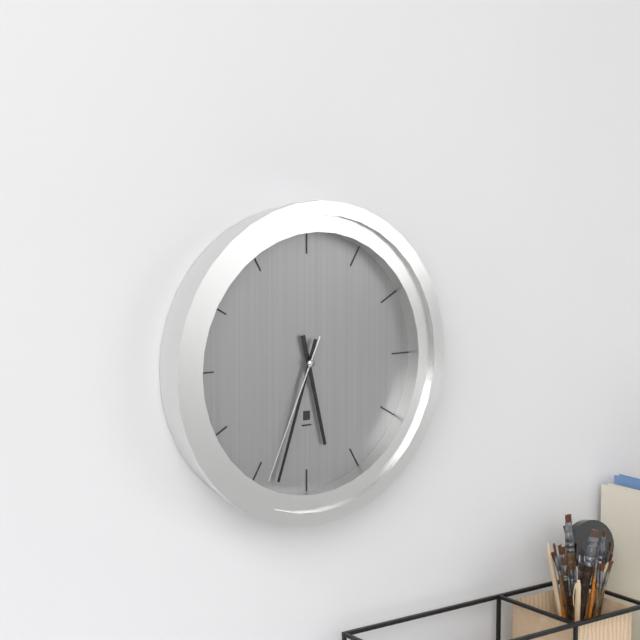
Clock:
5:33:34
